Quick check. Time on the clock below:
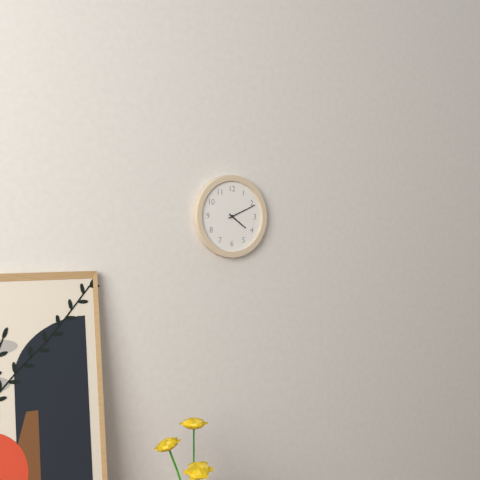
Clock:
4:11
